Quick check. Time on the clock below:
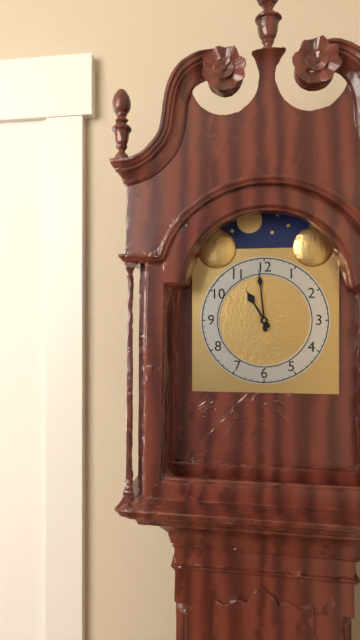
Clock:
10:59
